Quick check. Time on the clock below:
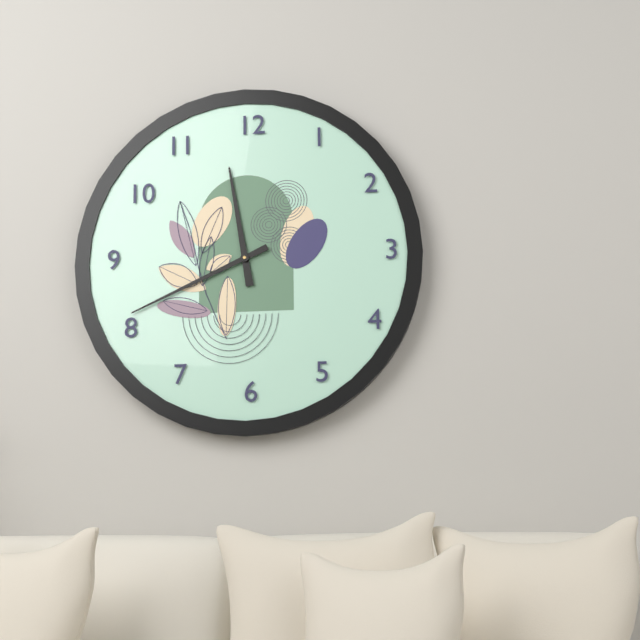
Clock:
11:41
